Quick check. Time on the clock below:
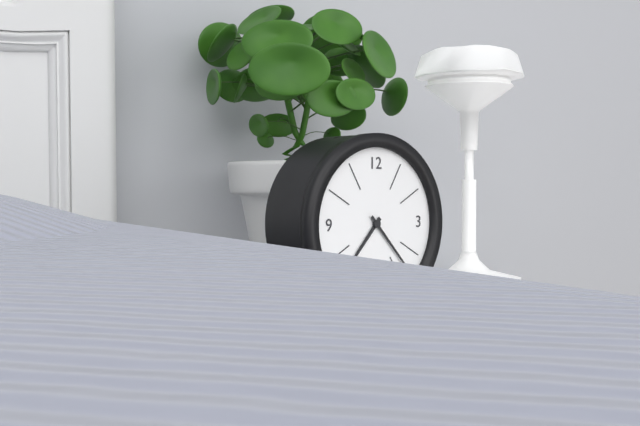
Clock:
7:23
